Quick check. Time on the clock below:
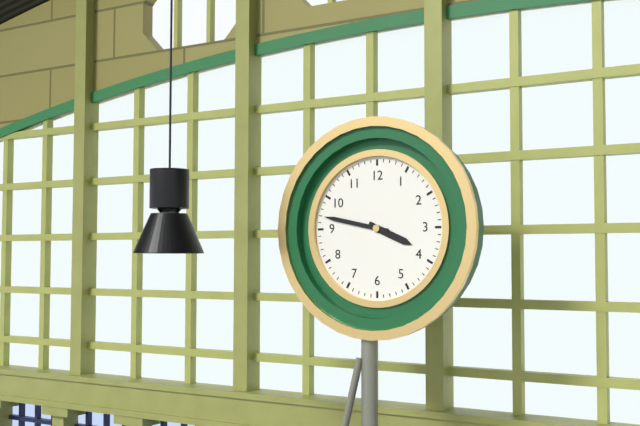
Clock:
3:47
